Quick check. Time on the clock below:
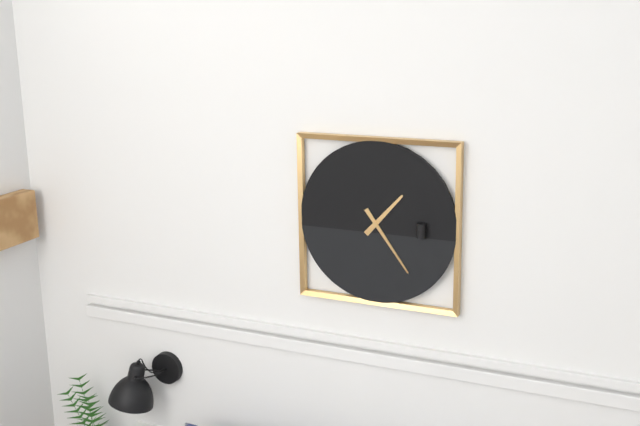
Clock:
1:24
